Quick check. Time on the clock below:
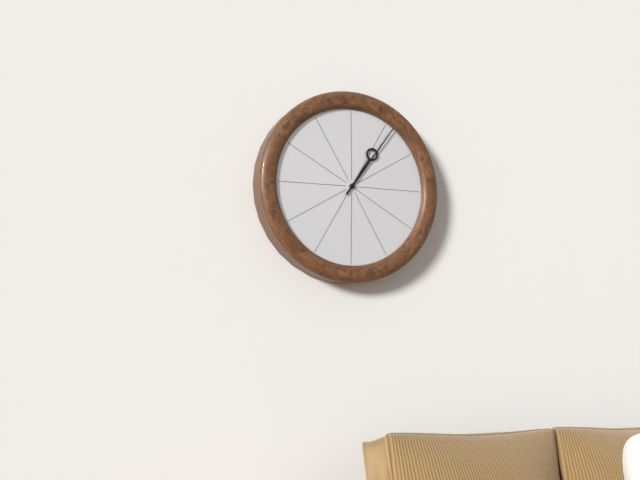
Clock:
1:06
